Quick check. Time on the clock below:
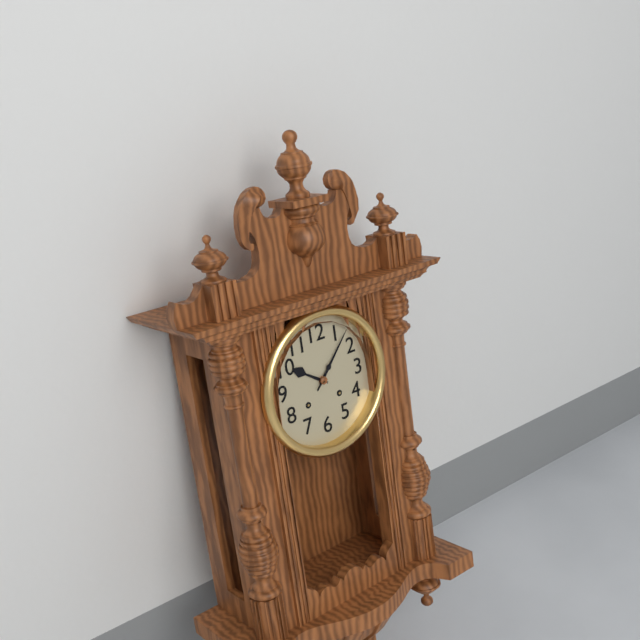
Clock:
10:07
